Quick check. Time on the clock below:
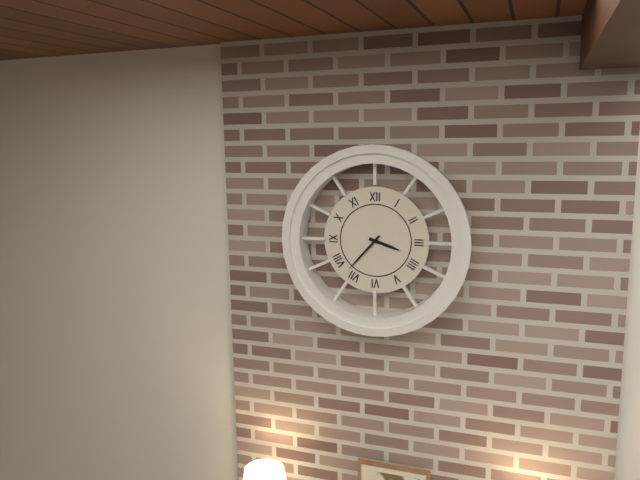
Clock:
3:37
